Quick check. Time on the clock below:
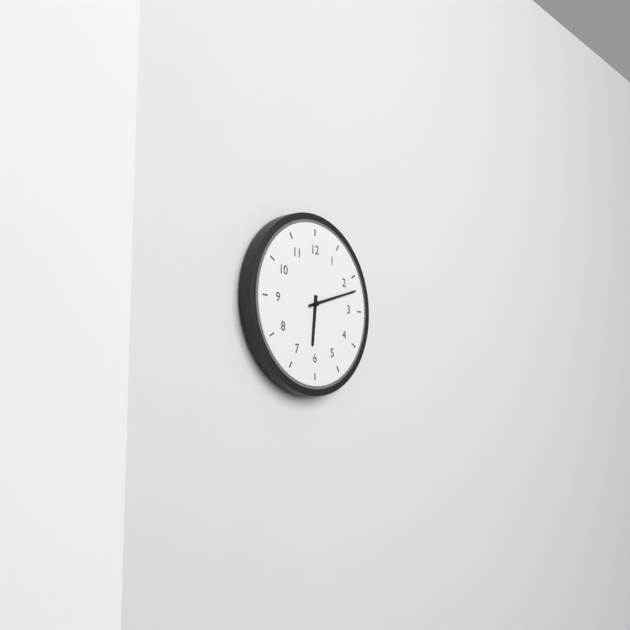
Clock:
6:12
